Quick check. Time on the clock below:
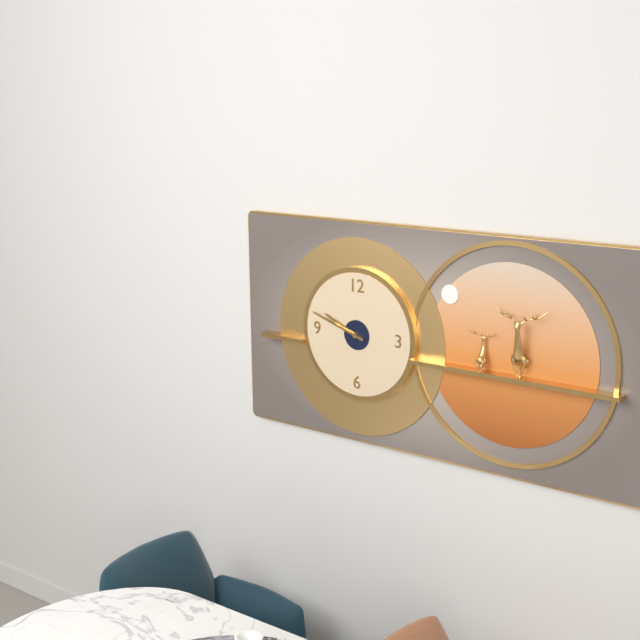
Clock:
9:48
